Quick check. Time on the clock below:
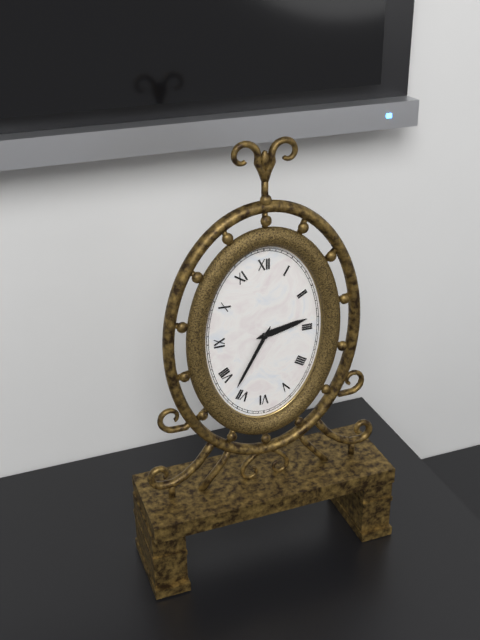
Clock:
2:35
